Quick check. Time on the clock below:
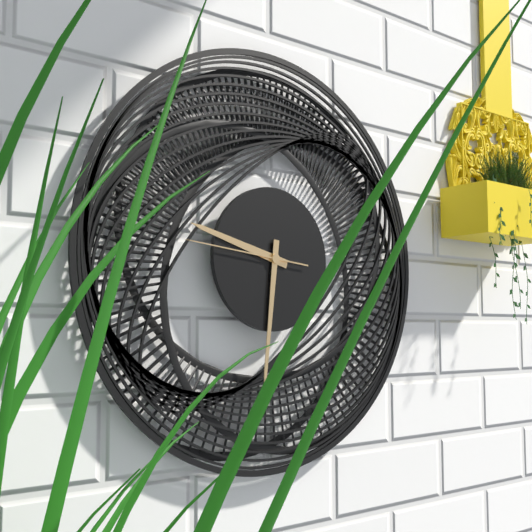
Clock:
9:31:46
